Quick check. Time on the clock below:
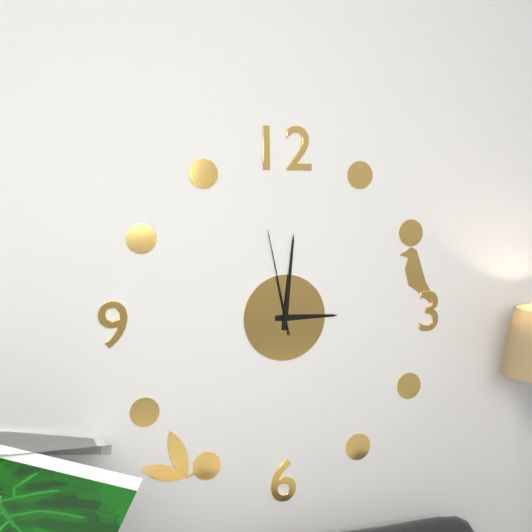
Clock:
3:01:58
